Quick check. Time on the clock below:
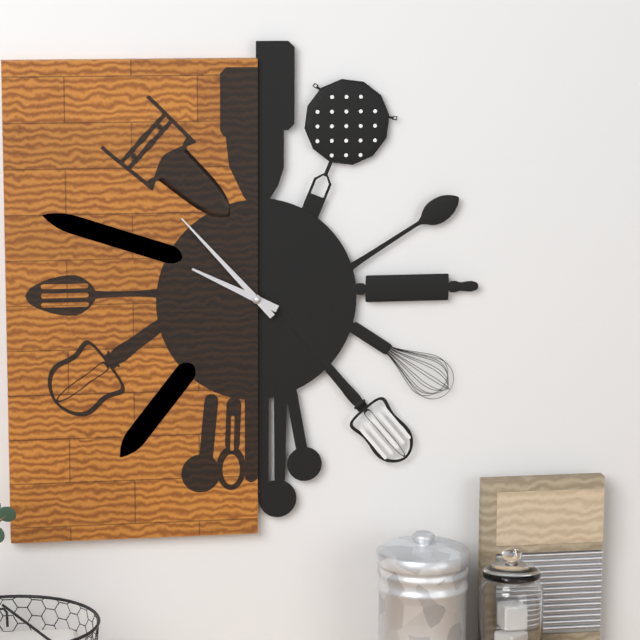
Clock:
9:53
